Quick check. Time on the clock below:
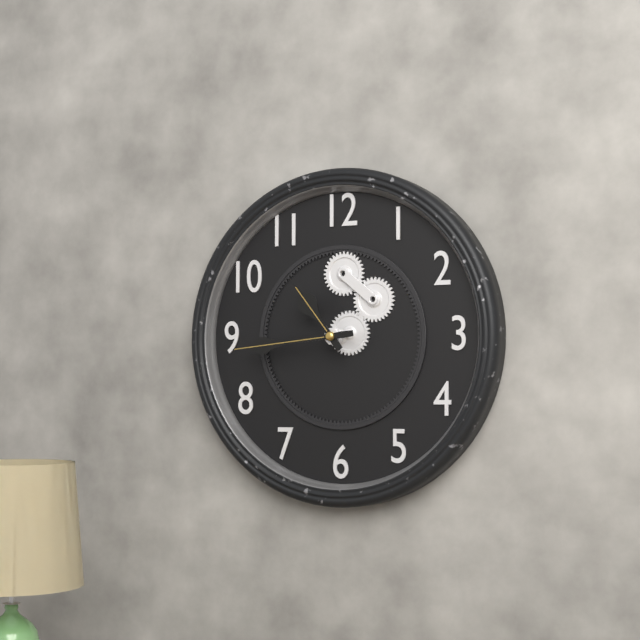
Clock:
10:44
